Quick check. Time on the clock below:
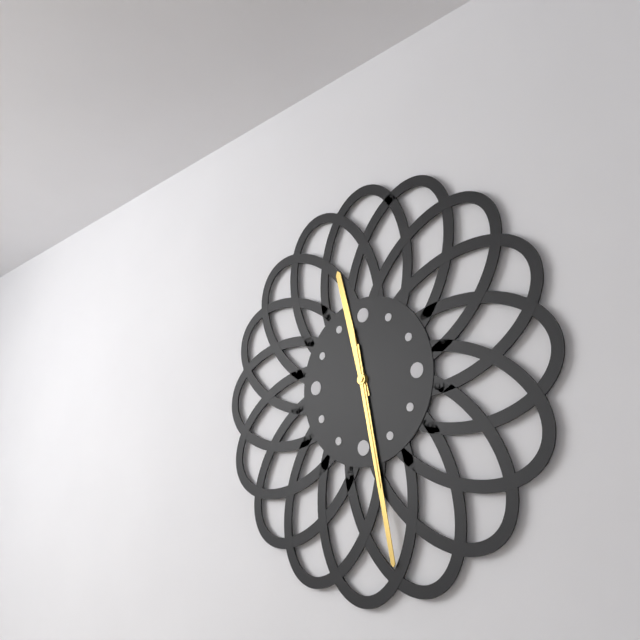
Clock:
11:28:28
